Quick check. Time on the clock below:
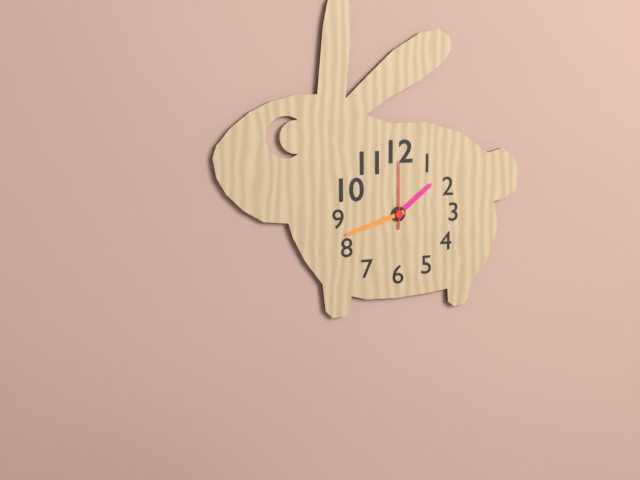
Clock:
1:42:00
